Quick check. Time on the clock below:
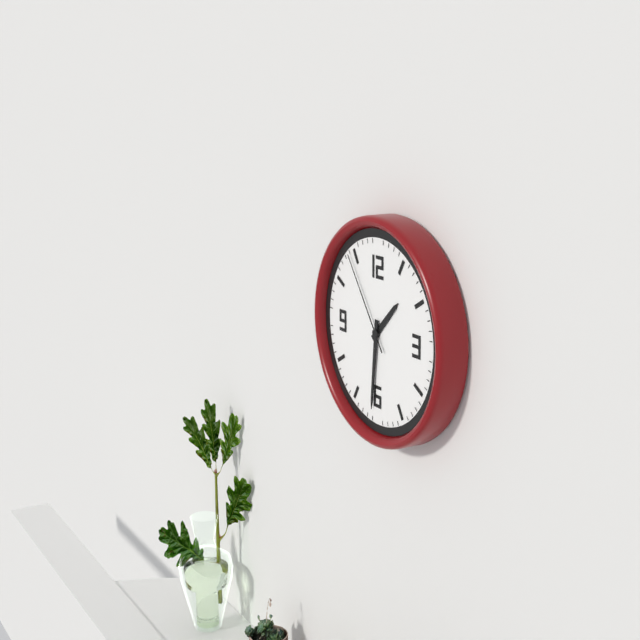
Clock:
1:31:54
